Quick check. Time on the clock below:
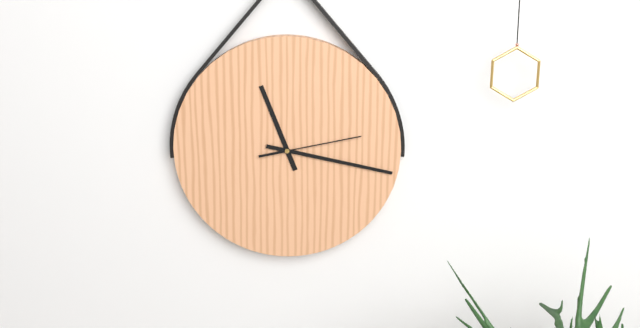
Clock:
11:17:13
